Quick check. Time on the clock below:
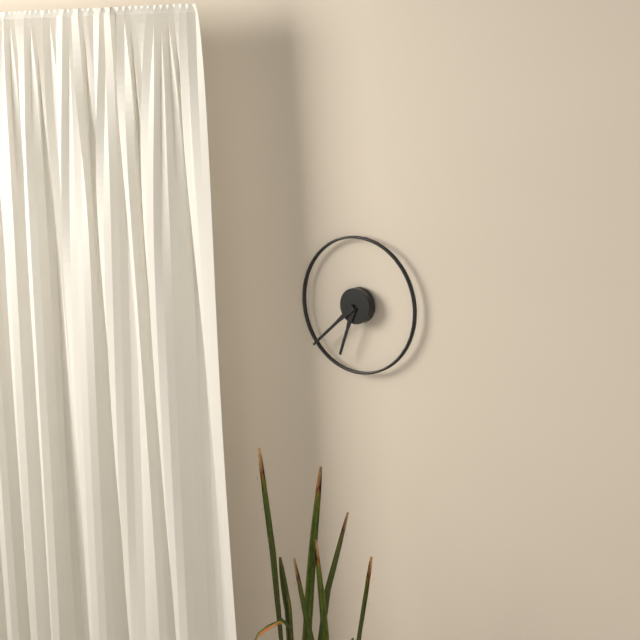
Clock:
6:38
